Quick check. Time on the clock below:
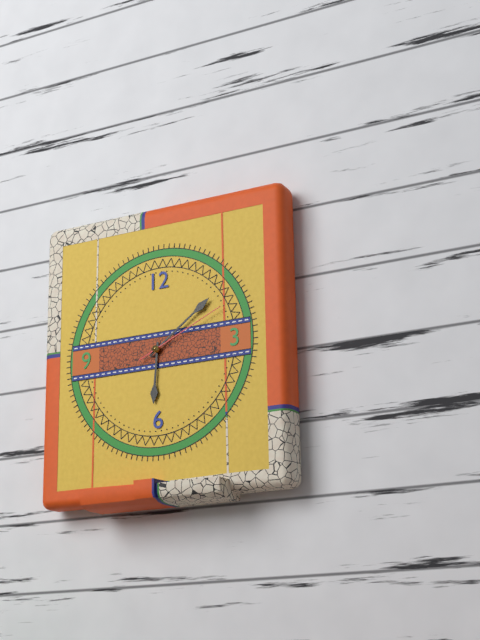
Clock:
6:09:11
